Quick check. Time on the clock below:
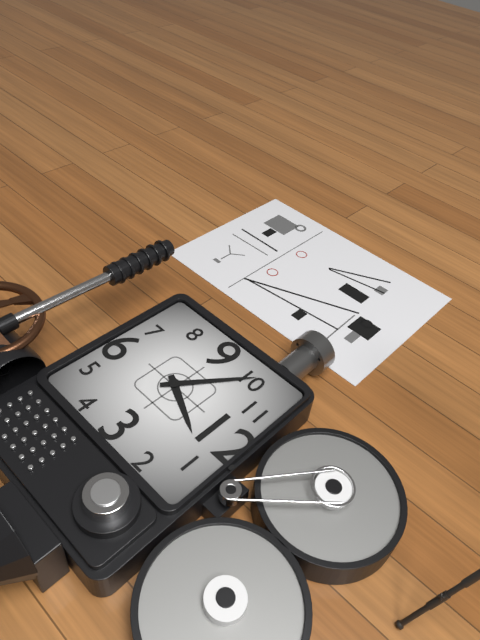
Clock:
12:51
